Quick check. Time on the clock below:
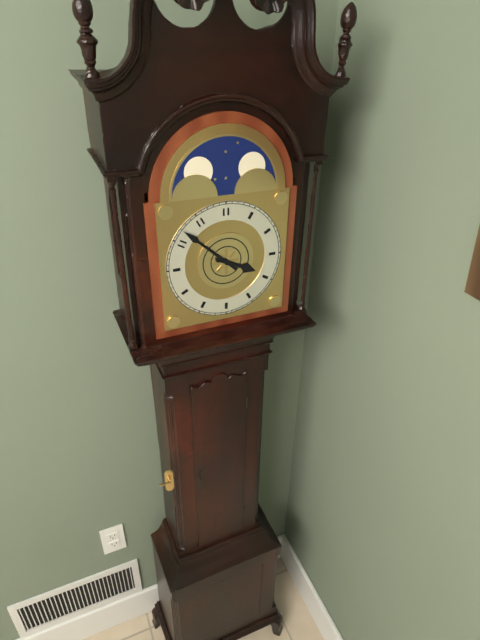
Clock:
3:52
